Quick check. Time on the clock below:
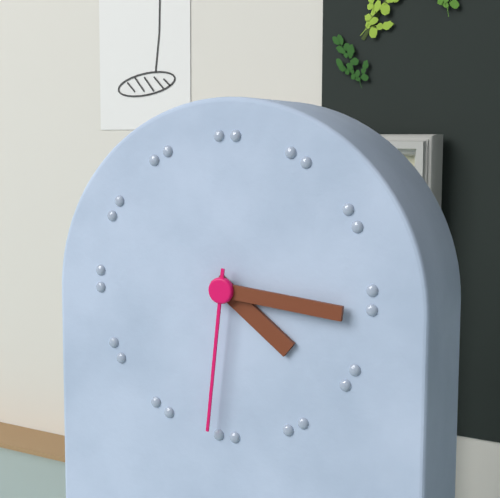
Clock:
4:16:31
